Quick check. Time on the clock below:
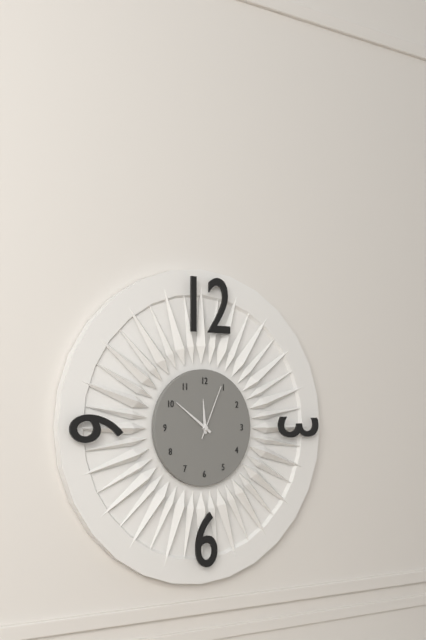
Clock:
11:51:04
